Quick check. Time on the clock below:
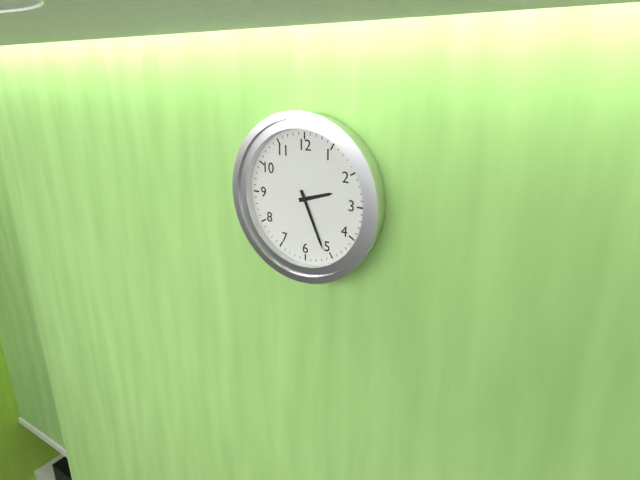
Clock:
2:26
